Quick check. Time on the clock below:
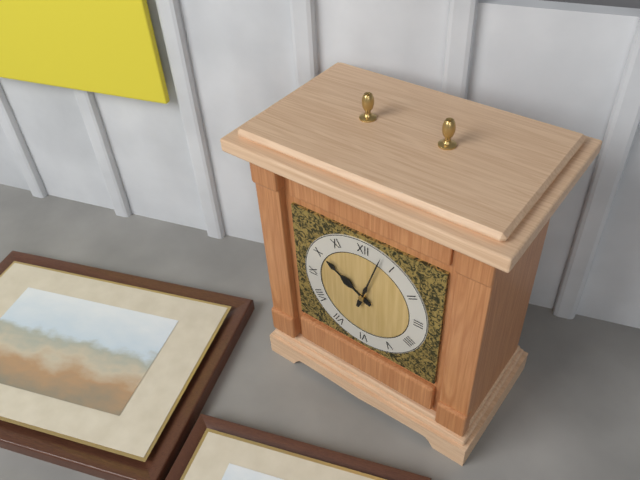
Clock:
10:03
